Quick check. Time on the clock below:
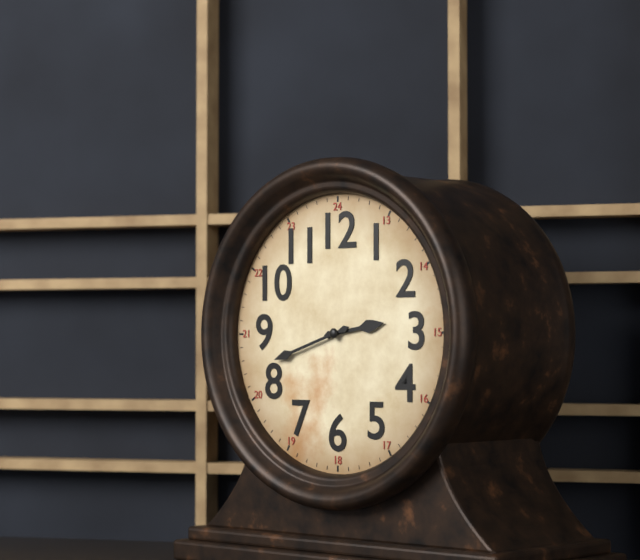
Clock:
2:42
